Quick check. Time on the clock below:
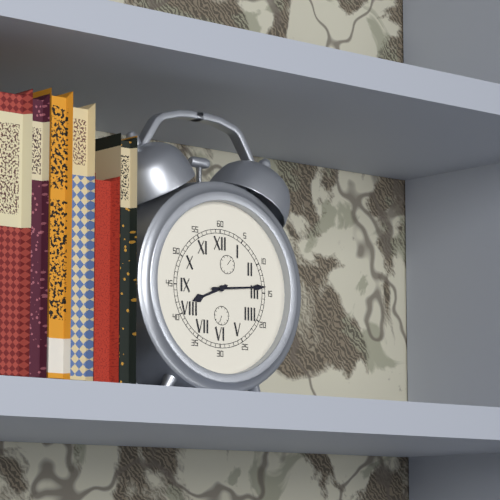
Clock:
8:14
